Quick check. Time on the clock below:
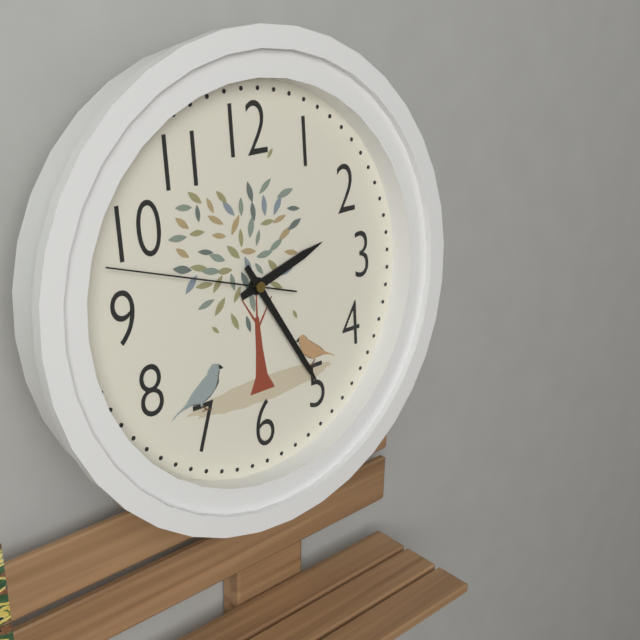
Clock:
2:25:48
